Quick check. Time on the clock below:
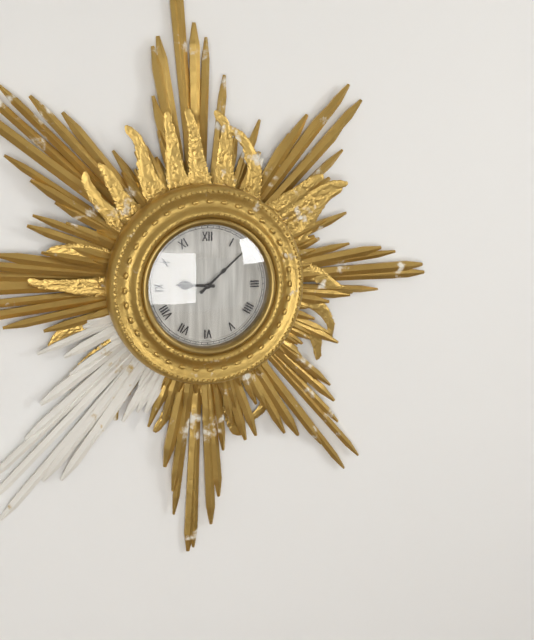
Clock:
9:08
